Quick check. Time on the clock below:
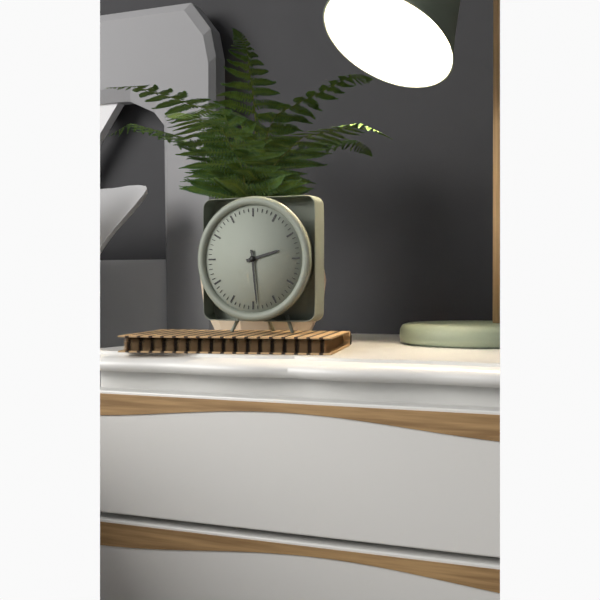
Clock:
2:29
